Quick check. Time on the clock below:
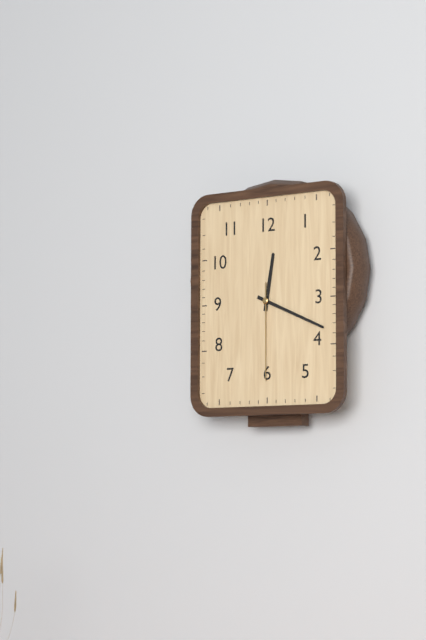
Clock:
12:19:30
